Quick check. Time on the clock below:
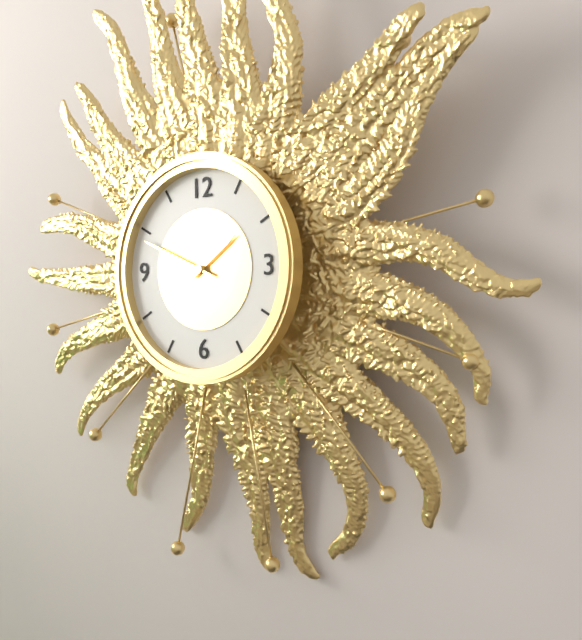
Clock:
1:49
